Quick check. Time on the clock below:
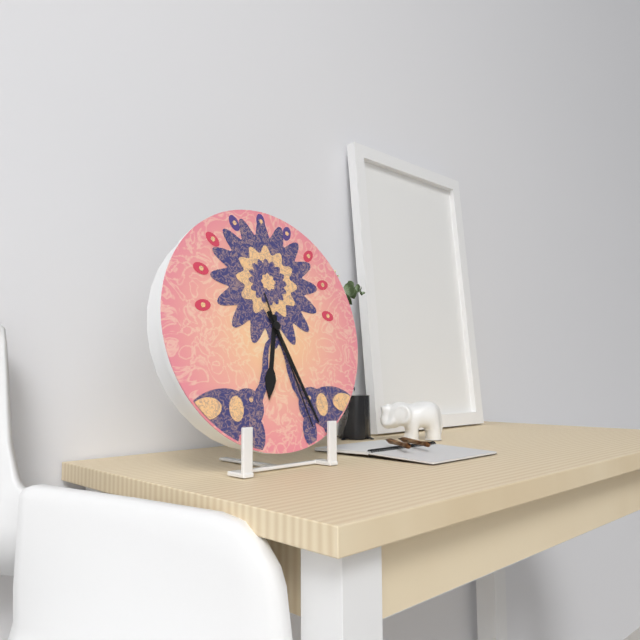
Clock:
6:26:27
